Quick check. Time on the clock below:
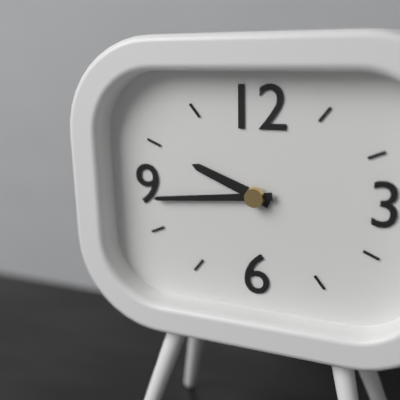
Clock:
9:44
